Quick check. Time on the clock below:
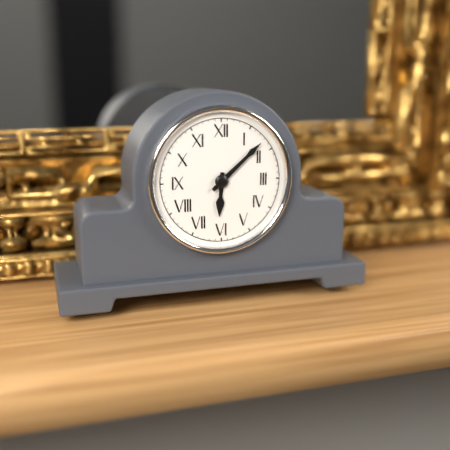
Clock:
6:08
